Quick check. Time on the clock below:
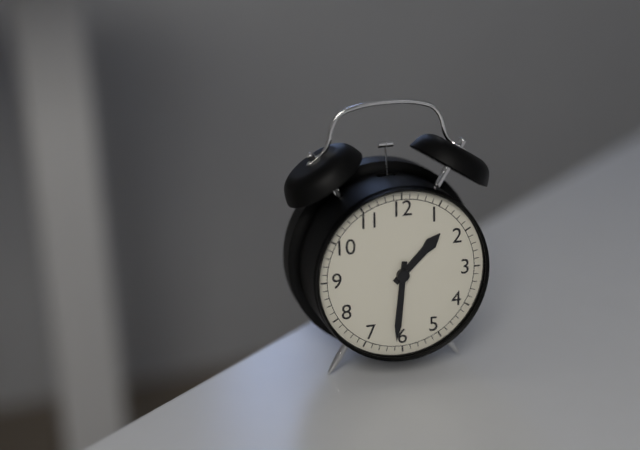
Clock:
1:31
